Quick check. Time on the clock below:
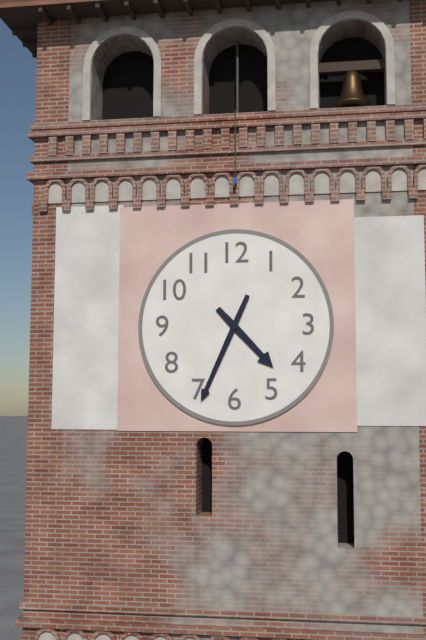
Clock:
4:34
